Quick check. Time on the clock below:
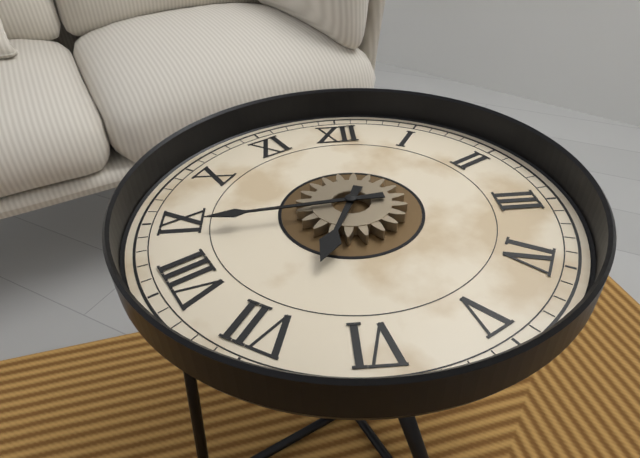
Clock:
6:44
